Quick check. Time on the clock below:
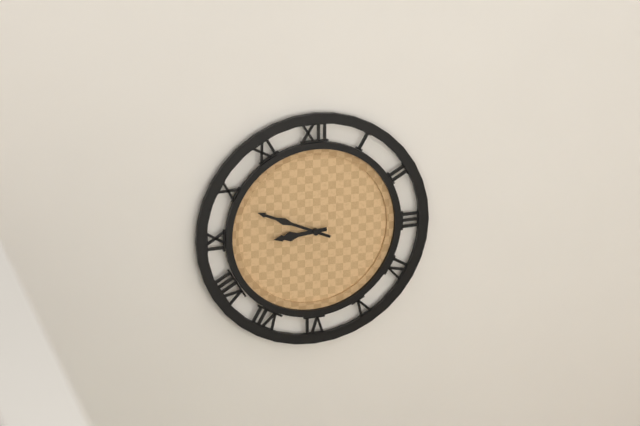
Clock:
8:49
